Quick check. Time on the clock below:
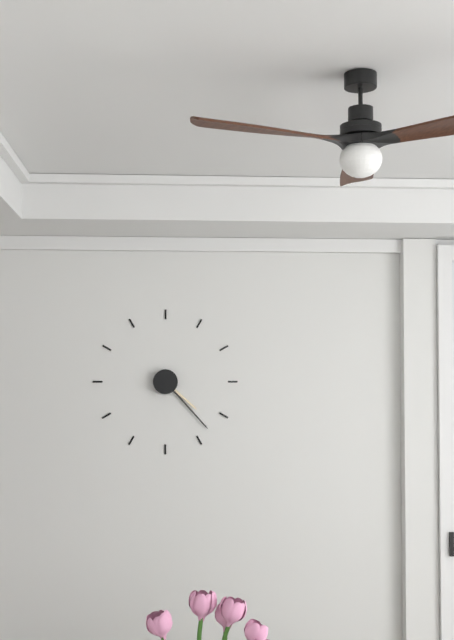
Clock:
4:23
